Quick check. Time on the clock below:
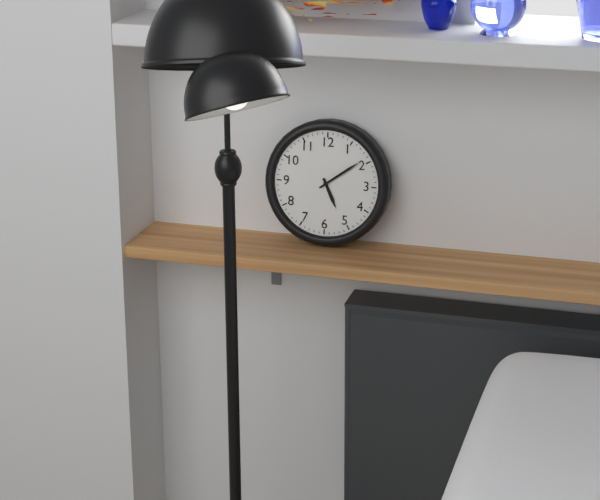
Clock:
5:09
